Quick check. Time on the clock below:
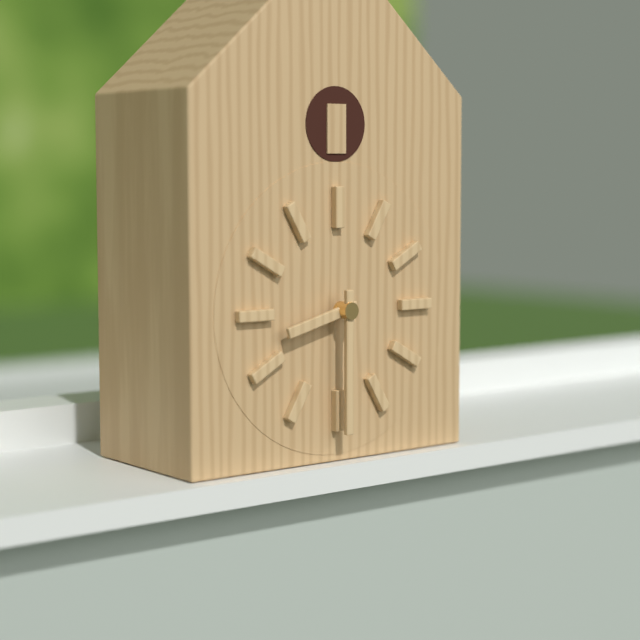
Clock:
8:30
